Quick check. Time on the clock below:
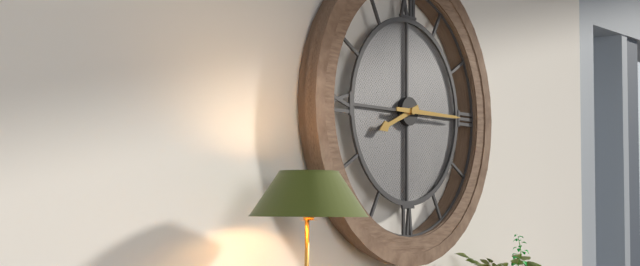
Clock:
8:15
